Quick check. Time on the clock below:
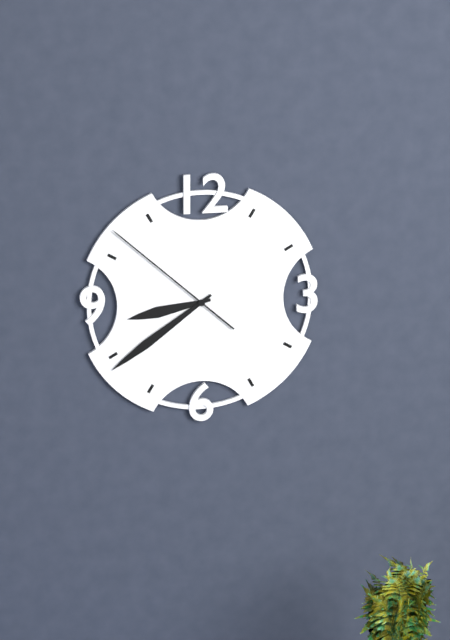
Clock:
8:39:52
